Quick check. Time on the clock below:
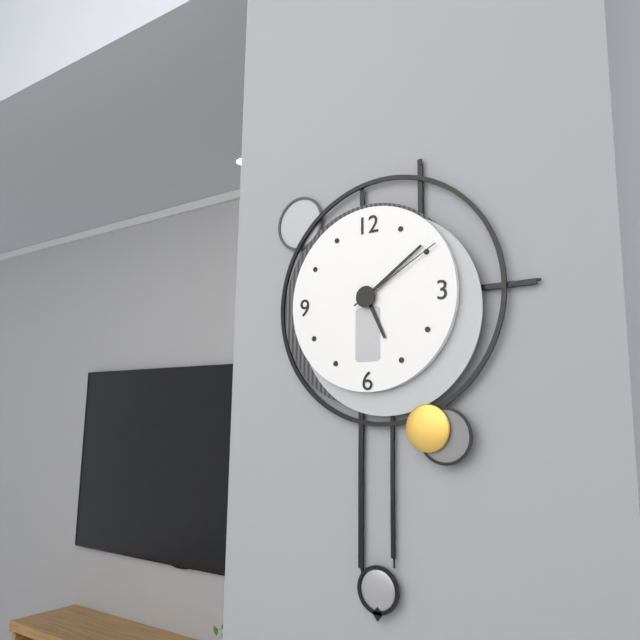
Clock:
5:09:10
